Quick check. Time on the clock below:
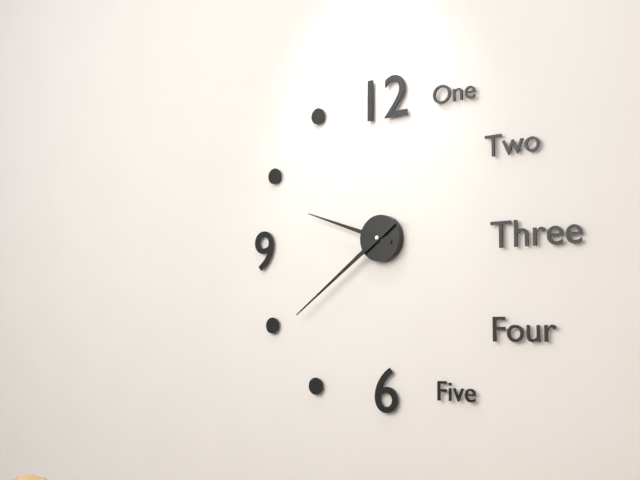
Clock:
9:39
